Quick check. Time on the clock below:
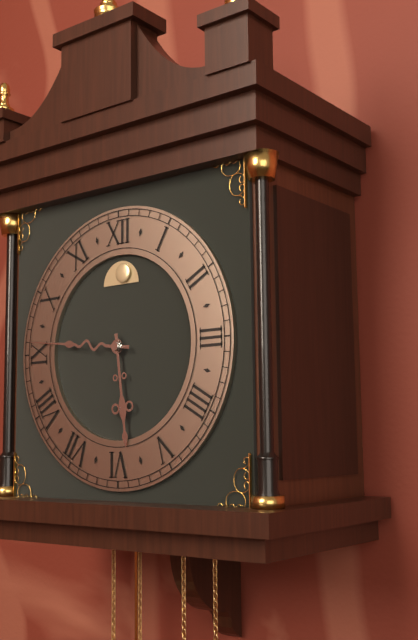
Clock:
5:46
